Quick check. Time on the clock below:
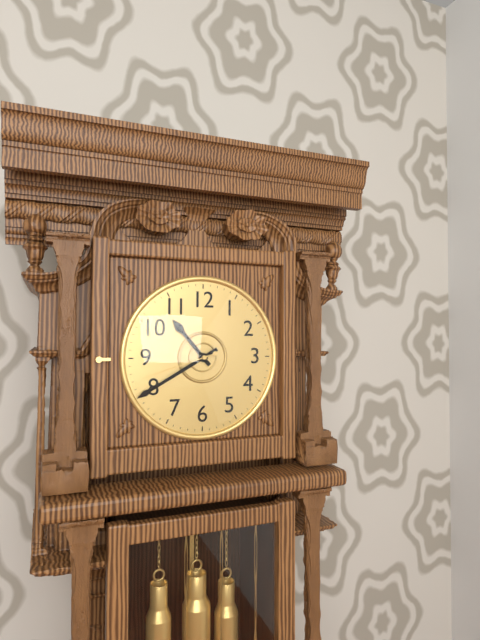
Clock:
10:40:42
